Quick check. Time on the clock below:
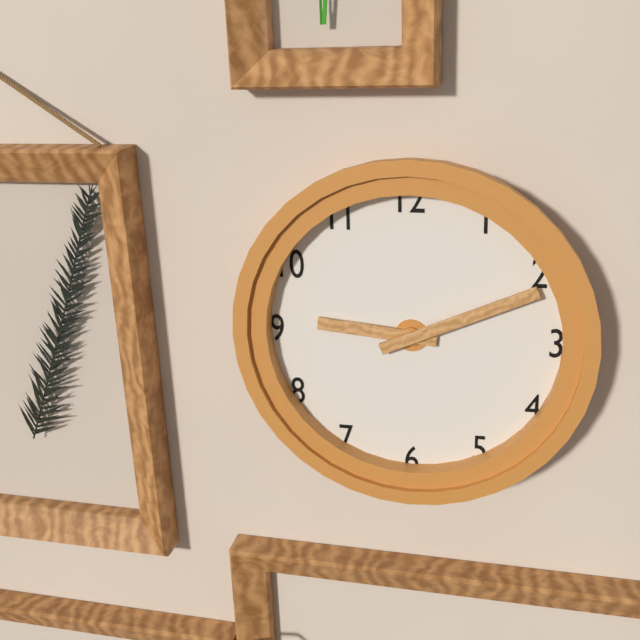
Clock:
9:11
